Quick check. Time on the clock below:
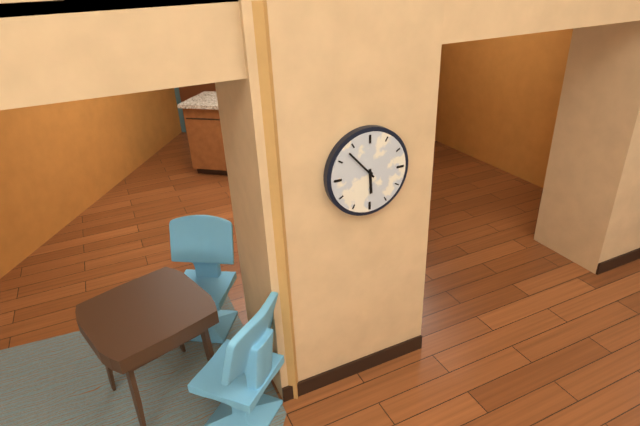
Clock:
5:53
